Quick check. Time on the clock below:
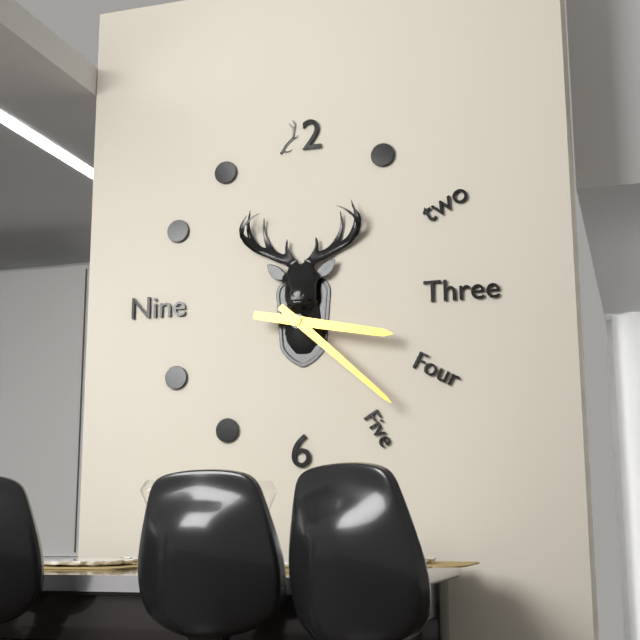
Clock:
3:22
